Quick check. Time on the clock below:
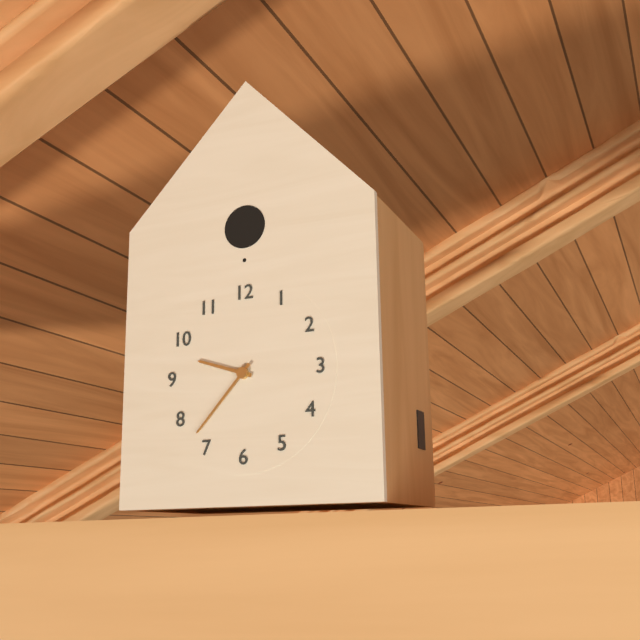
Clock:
9:37
